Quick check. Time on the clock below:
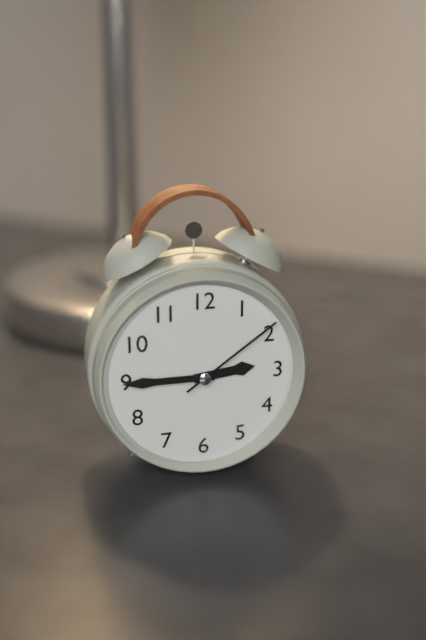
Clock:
2:45:09
